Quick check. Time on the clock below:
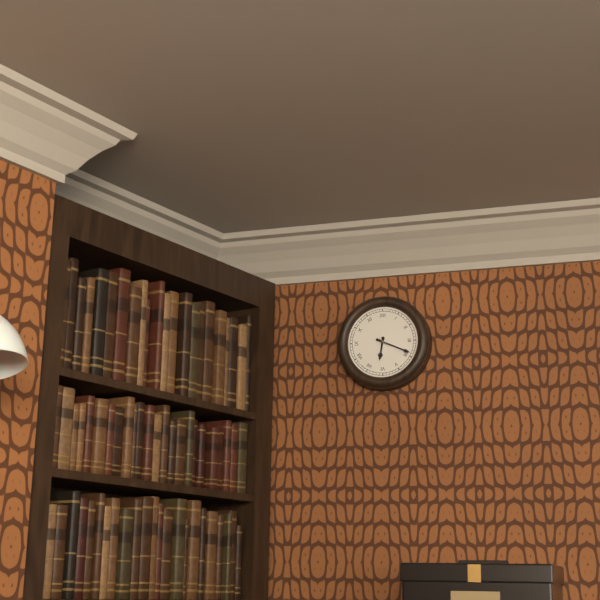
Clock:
6:19
